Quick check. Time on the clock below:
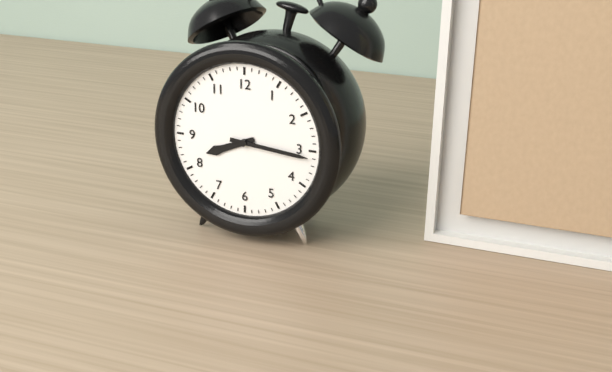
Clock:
8:16
